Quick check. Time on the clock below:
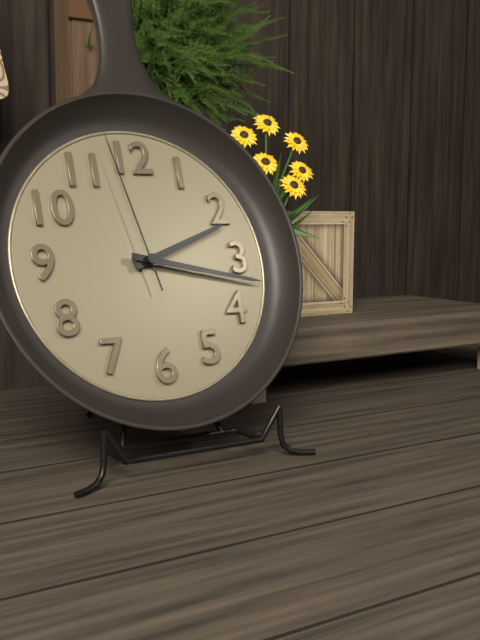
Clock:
2:17:58
